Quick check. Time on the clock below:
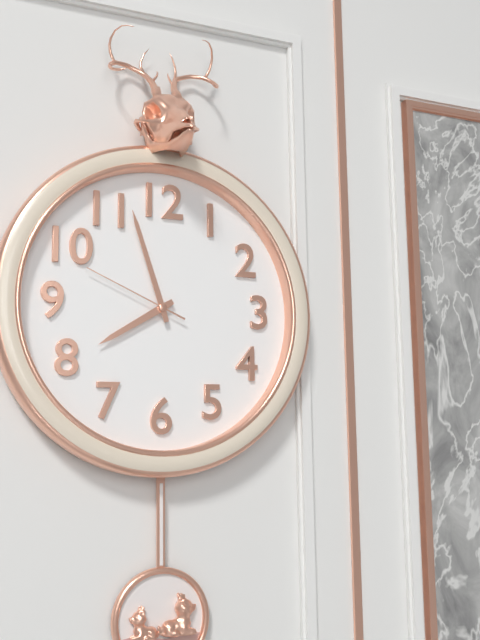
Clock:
7:57:49
